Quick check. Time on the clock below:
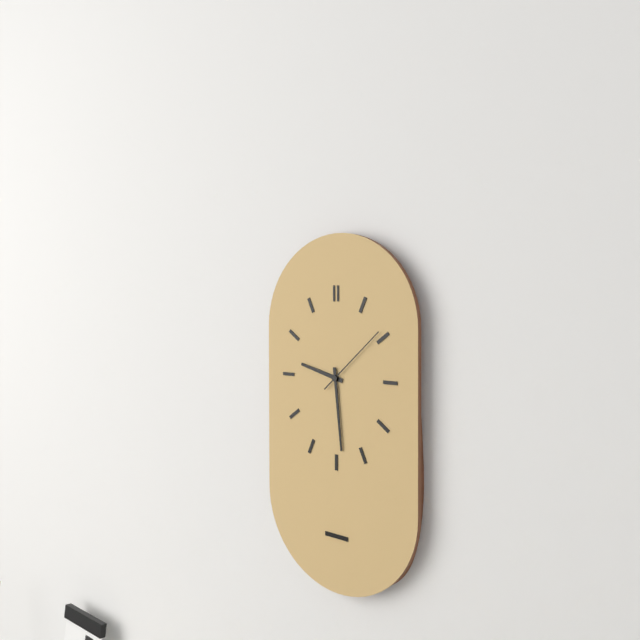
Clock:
9:29:08
